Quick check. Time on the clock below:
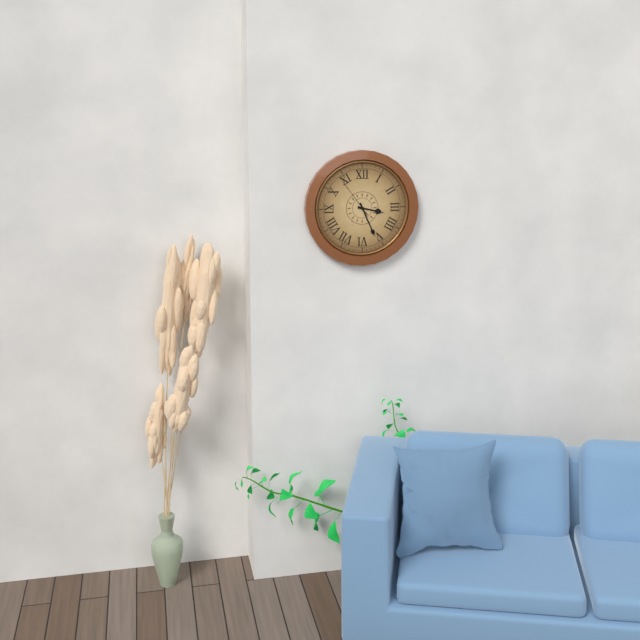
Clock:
3:26
